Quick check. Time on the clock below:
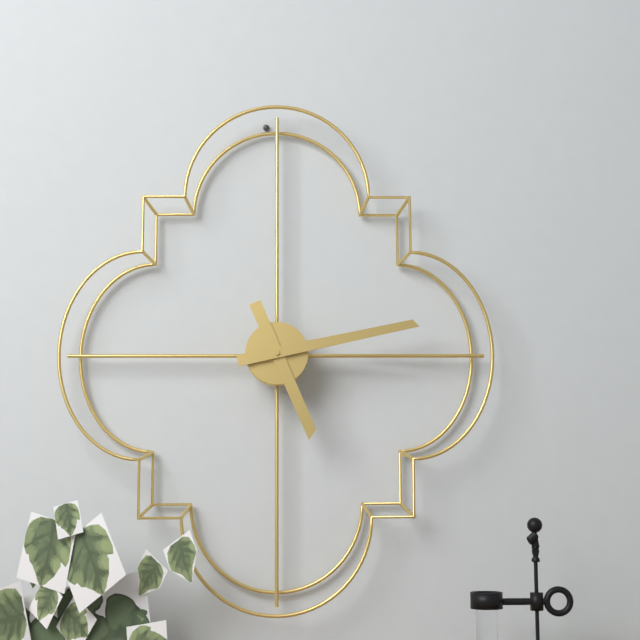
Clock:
5:13
